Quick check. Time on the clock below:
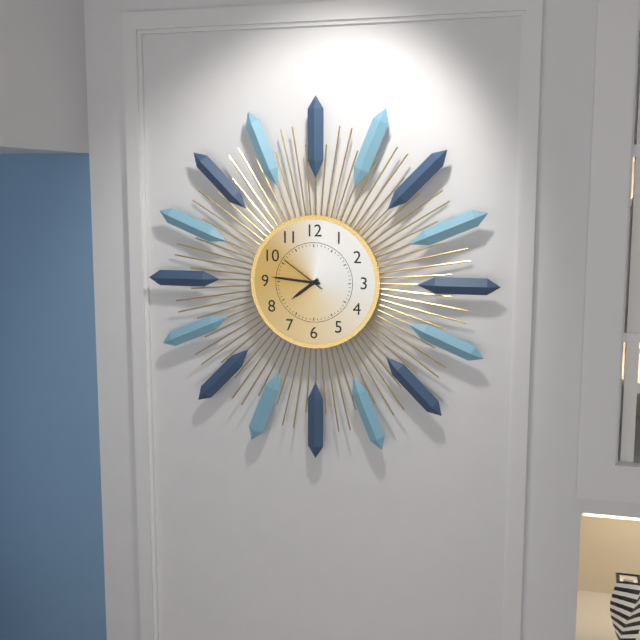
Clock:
7:46
